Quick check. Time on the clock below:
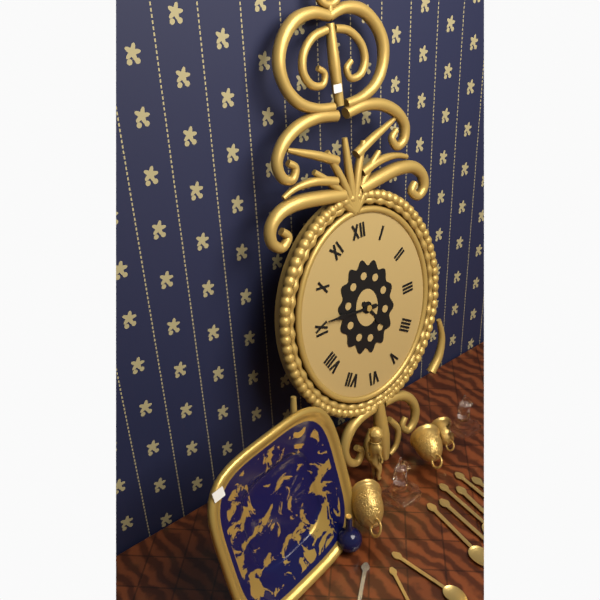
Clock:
4:46
